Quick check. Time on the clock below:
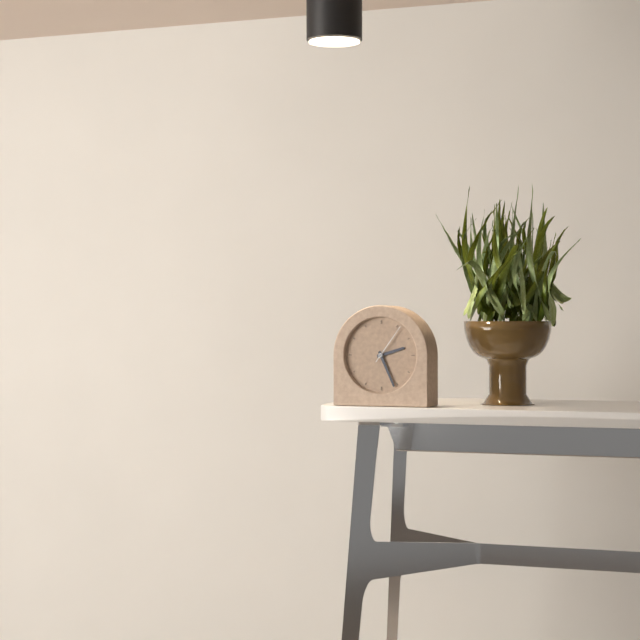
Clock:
2:26
